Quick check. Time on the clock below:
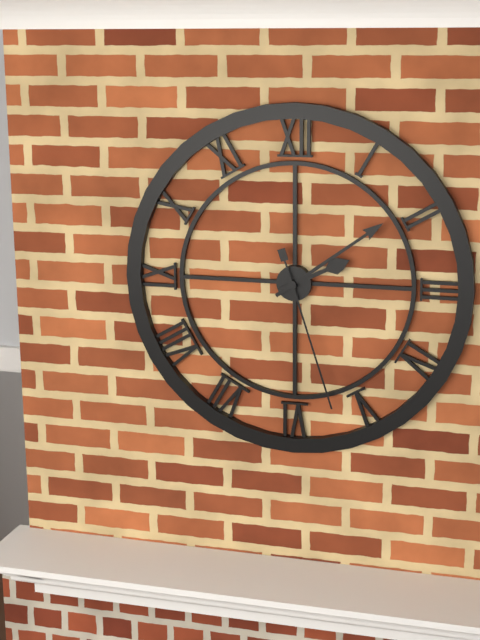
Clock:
2:09:27
